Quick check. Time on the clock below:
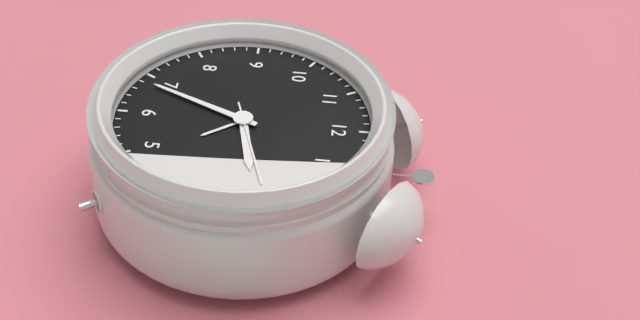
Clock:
2:34:12
